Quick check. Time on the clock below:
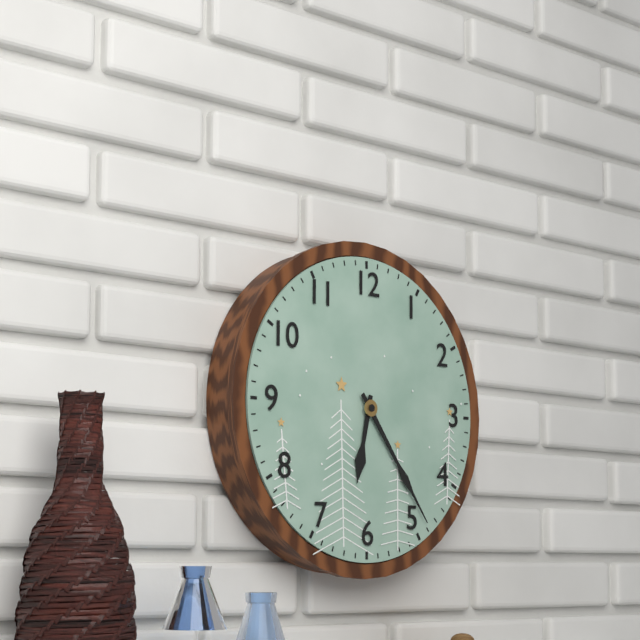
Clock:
6:24
